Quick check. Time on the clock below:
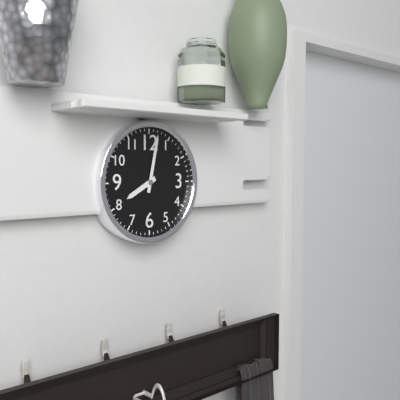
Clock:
8:02
